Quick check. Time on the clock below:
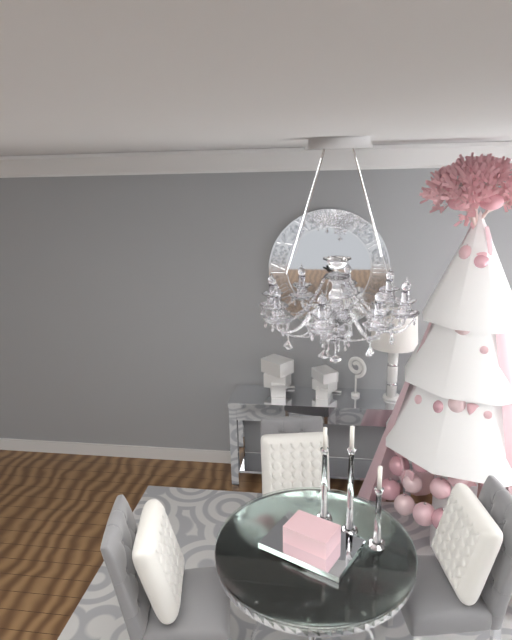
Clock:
5:19
